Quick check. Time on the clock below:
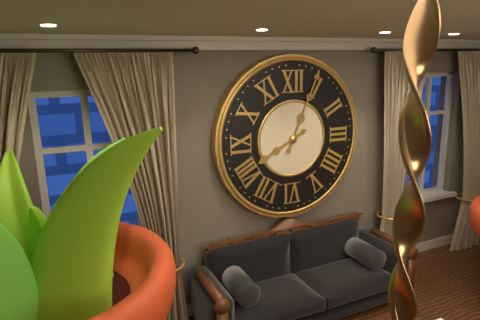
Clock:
8:04
